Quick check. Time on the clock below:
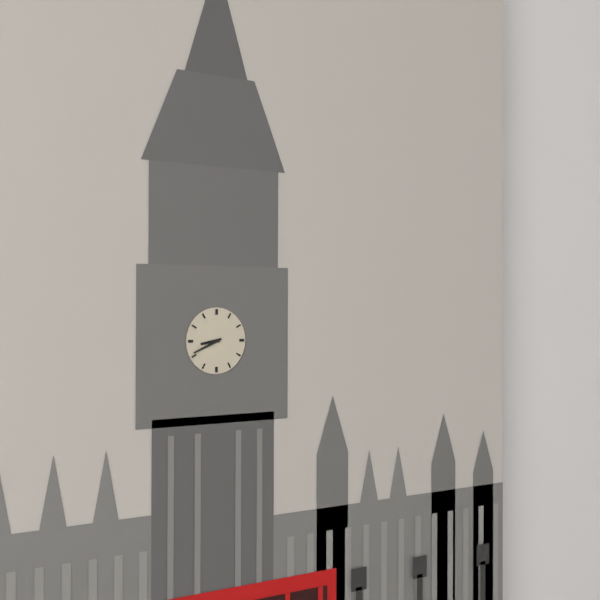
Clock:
8:41
